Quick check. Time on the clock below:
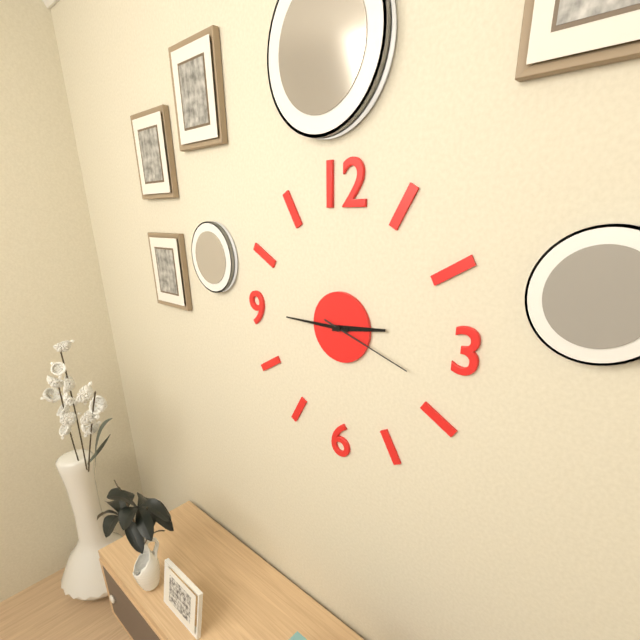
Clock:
2:45:18
